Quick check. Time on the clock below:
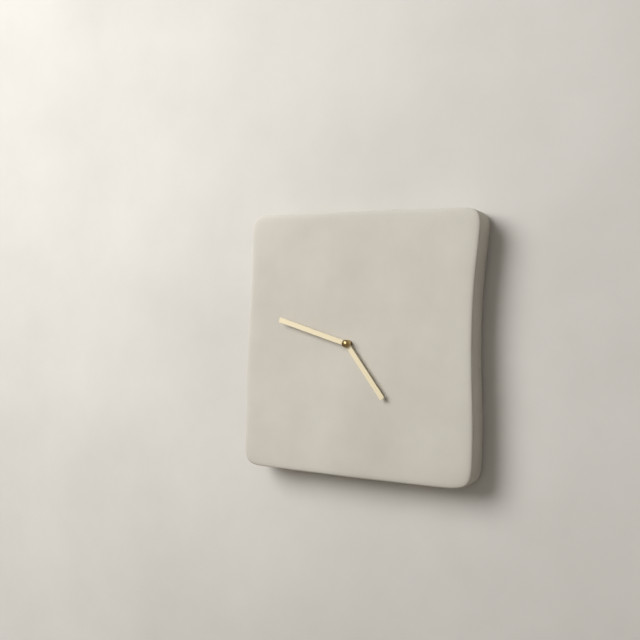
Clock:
4:48
